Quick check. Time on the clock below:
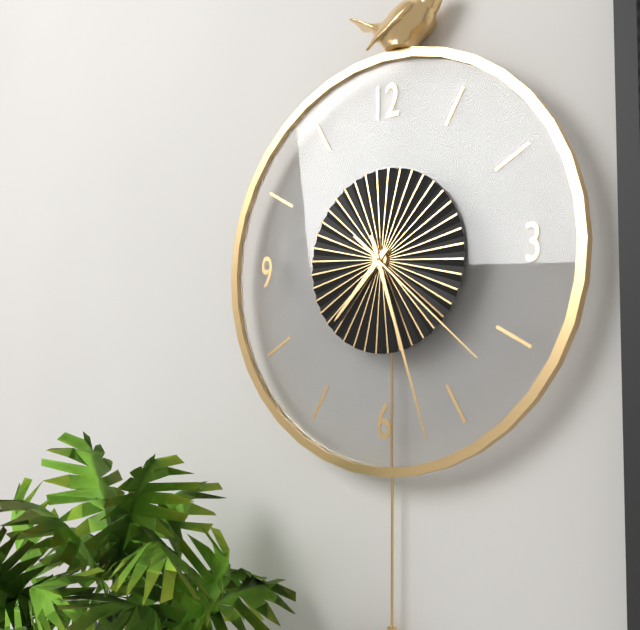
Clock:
7:27:22
